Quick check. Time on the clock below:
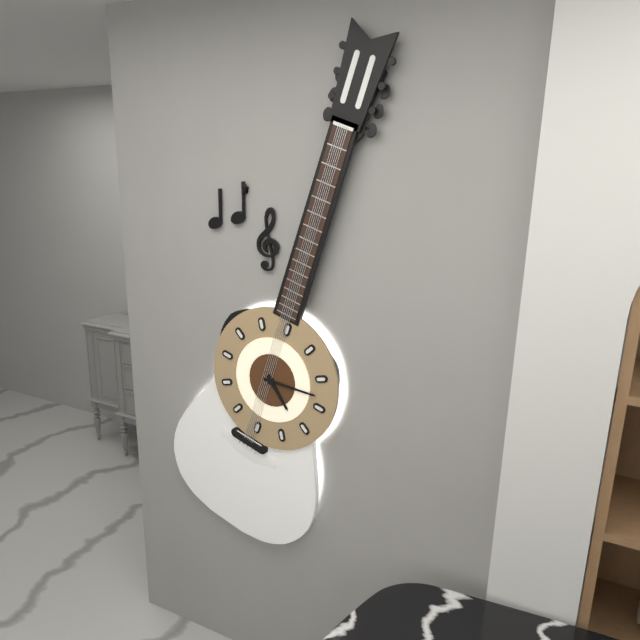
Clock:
4:13
